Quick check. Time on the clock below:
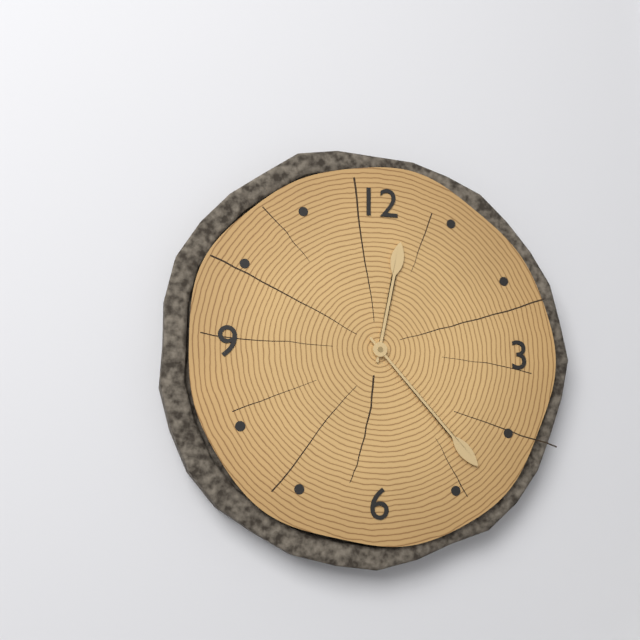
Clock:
12:23
